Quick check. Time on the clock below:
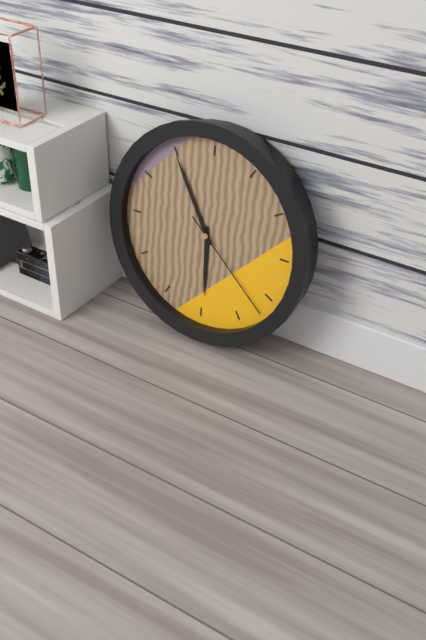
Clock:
5:55:22
